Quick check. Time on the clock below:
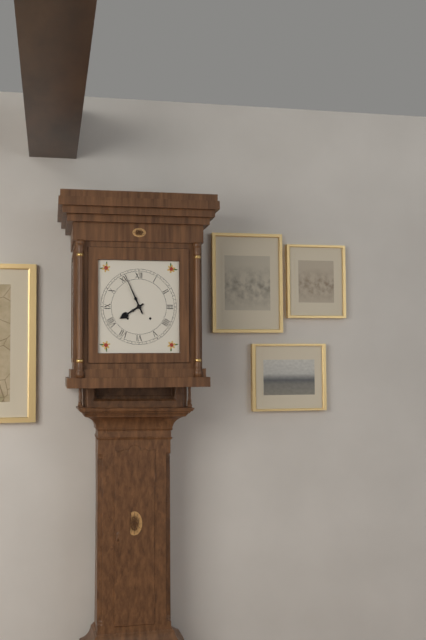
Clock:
7:56
